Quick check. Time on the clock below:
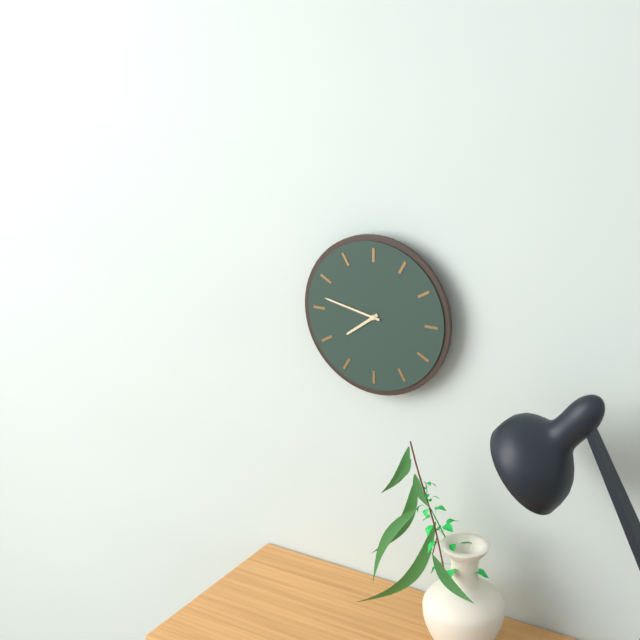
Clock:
7:47
